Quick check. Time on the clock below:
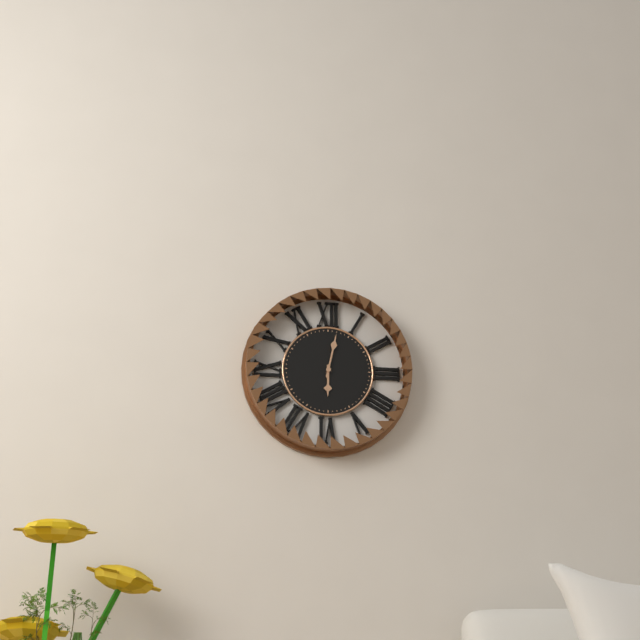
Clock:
6:02
